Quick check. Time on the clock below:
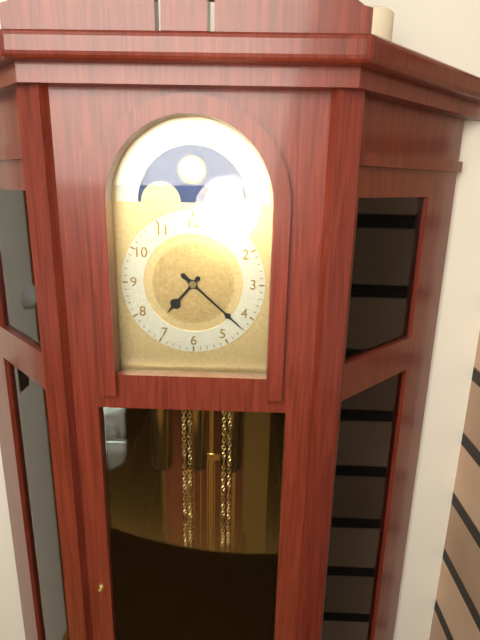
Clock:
7:22
